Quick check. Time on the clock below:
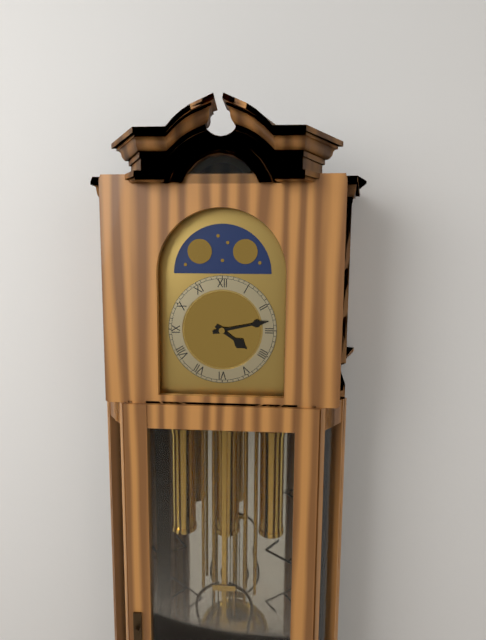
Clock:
4:13
